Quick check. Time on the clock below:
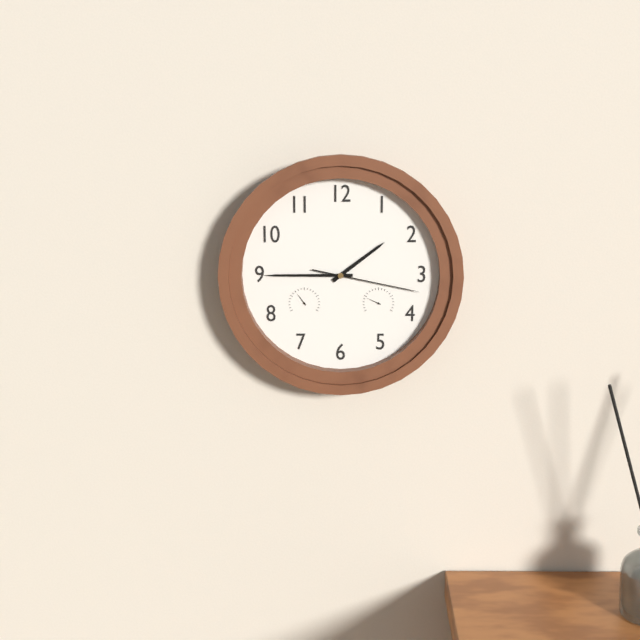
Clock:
1:45:17
